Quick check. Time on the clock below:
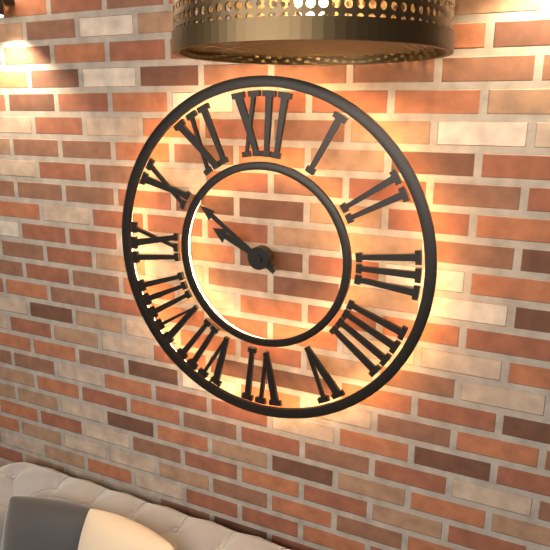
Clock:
9:51
